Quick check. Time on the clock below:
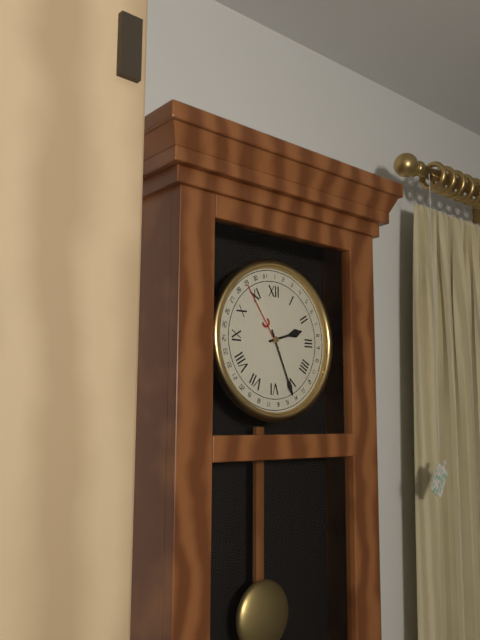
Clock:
2:26
